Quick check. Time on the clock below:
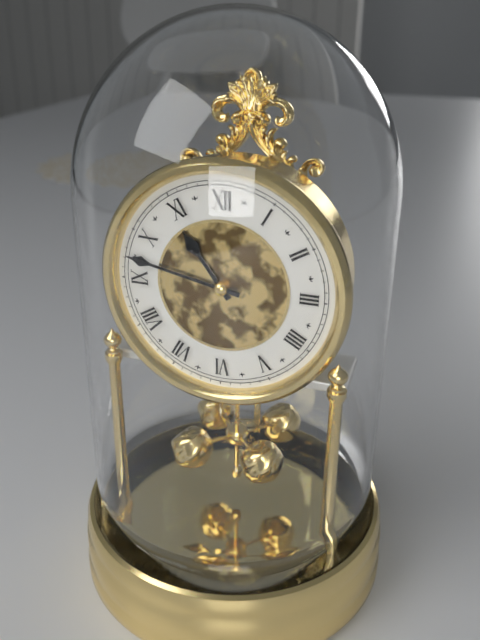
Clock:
10:47
